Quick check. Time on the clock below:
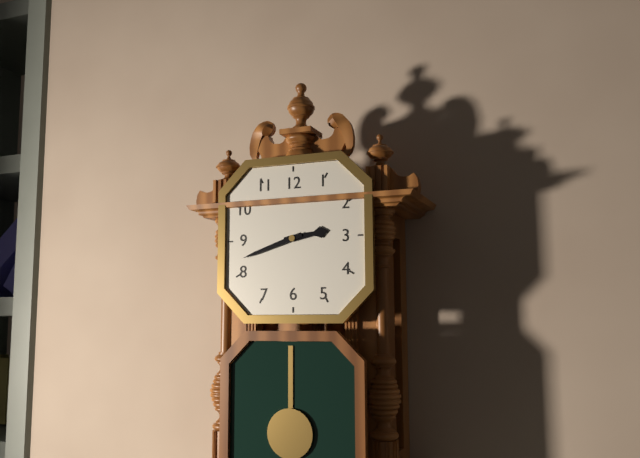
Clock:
2:42
